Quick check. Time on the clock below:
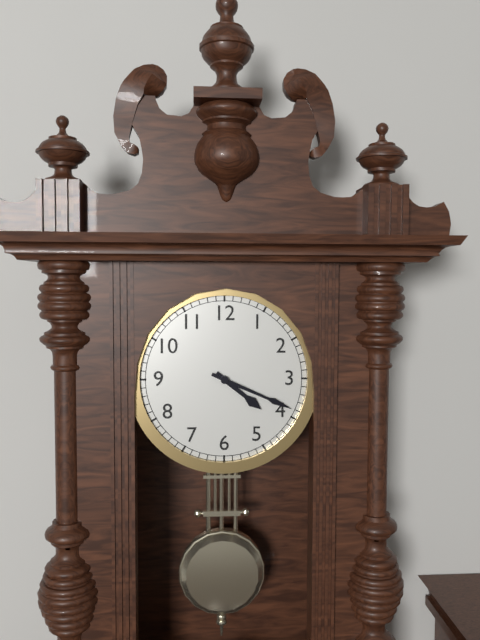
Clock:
4:19
